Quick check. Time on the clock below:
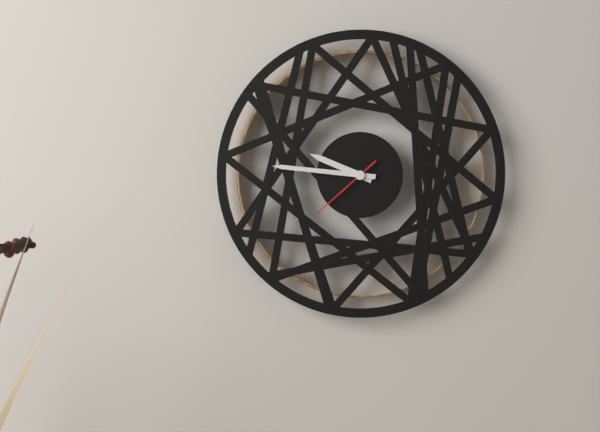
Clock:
9:46:38
